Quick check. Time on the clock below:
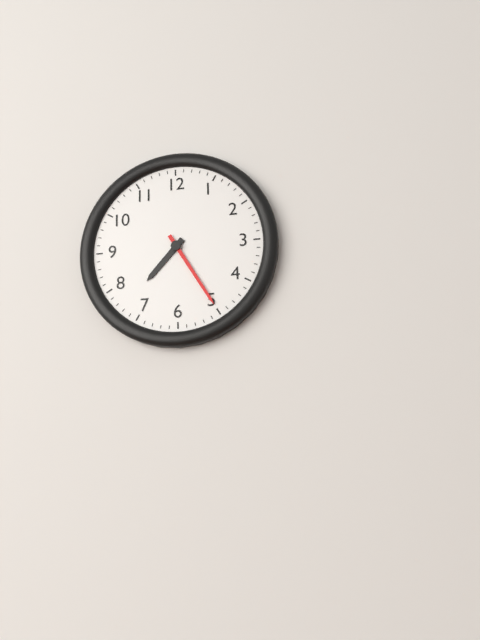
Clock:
7:25
